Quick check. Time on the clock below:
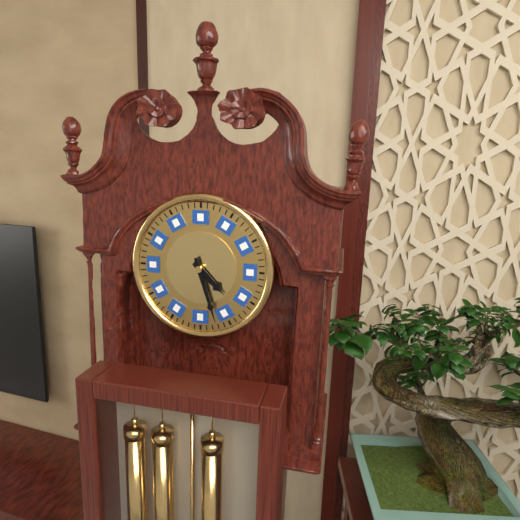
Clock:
4:27
